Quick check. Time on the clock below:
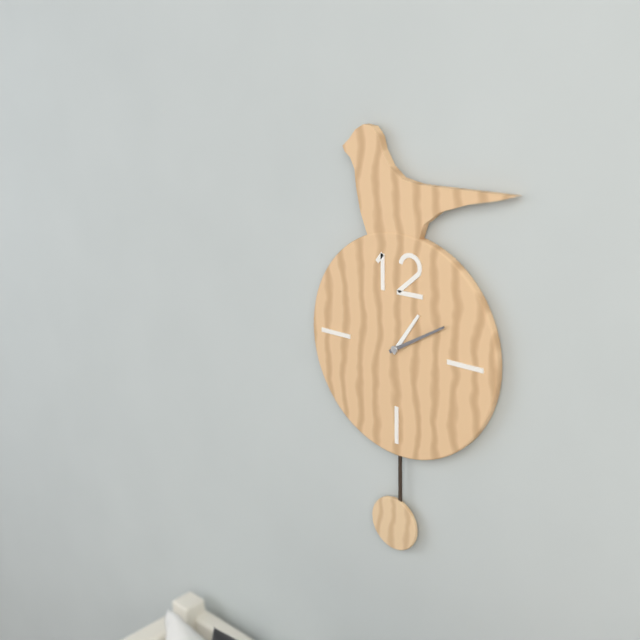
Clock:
1:10
